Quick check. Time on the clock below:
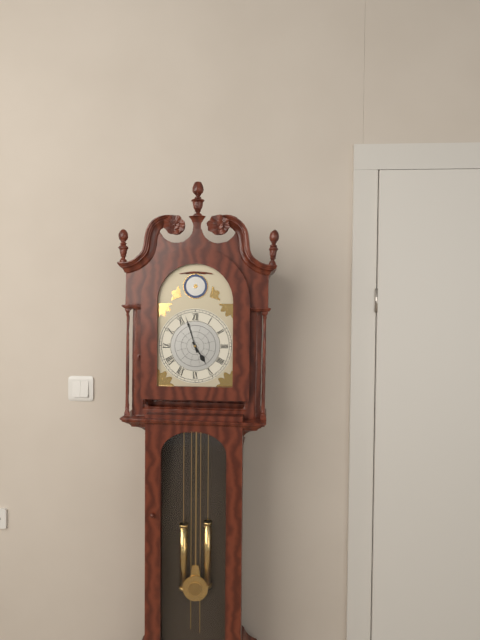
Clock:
4:57
